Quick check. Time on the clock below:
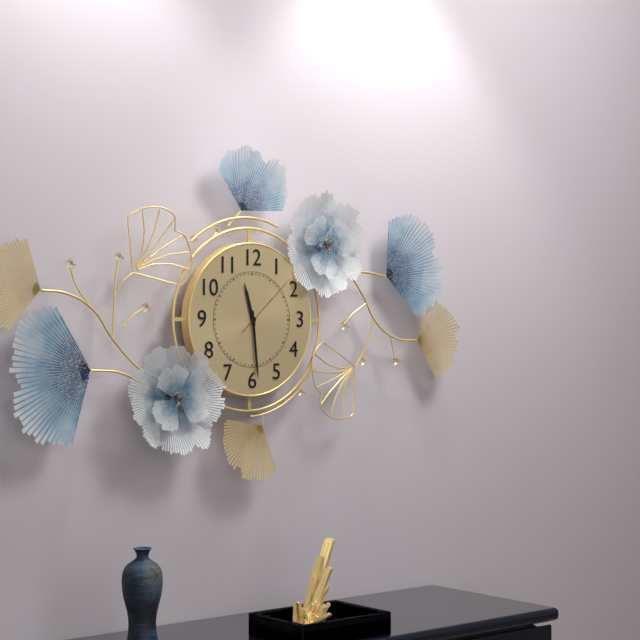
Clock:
11:29:08
